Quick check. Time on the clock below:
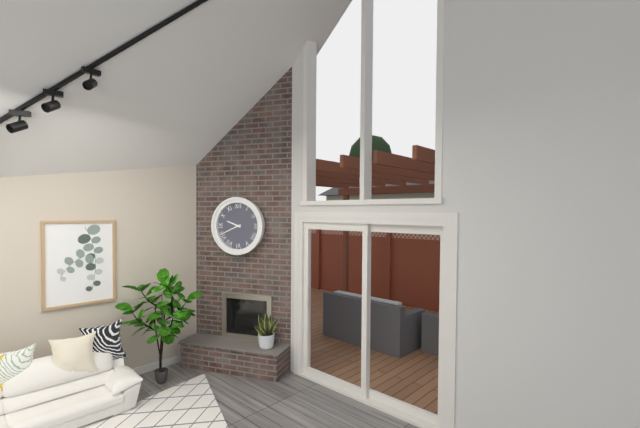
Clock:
9:41
